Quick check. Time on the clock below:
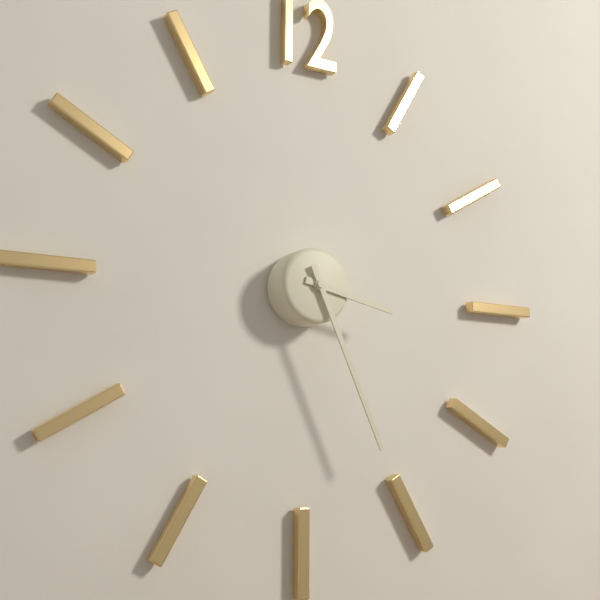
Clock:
3:26
